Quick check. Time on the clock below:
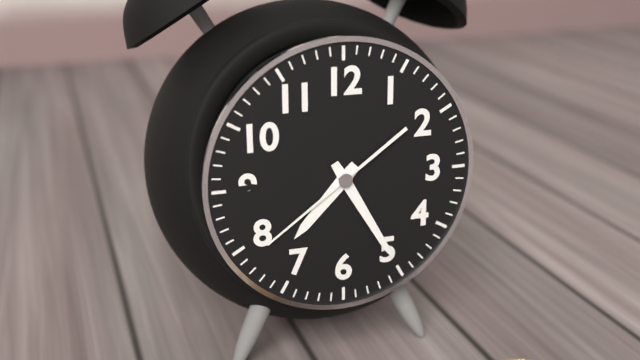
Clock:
7:25:39
